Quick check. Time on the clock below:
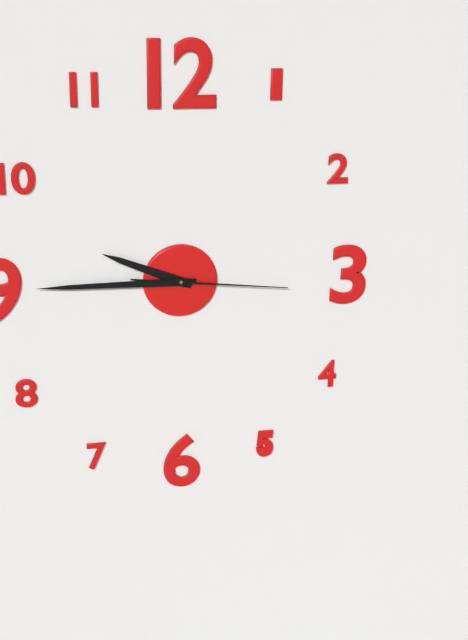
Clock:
9:45:16
